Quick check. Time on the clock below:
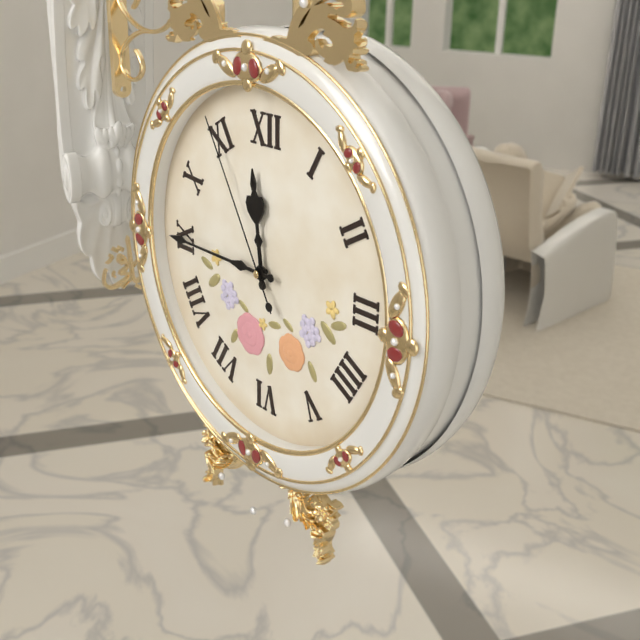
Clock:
11:45:55
